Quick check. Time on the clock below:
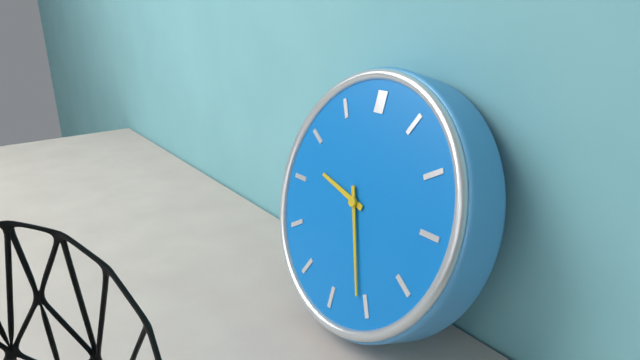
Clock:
9:26
